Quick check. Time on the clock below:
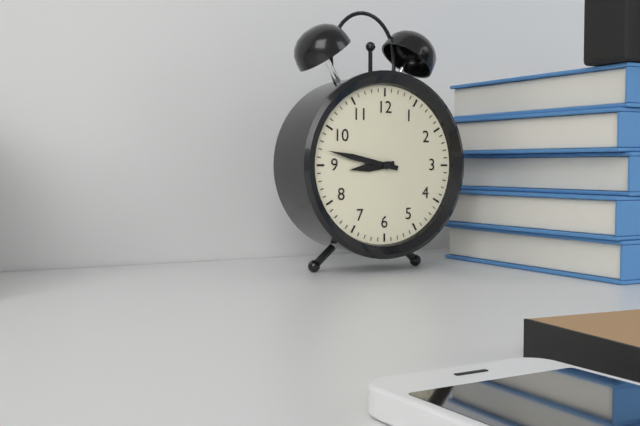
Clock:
8:47
